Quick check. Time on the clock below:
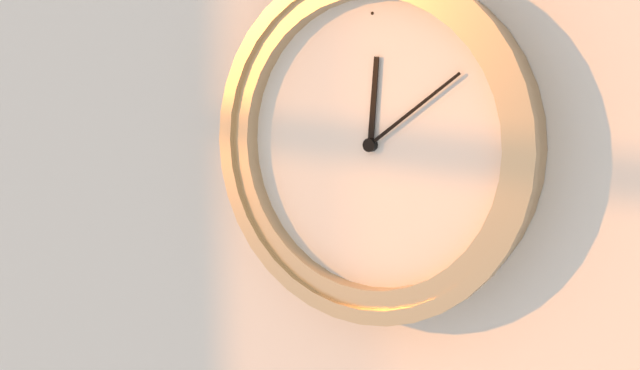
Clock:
12:09
